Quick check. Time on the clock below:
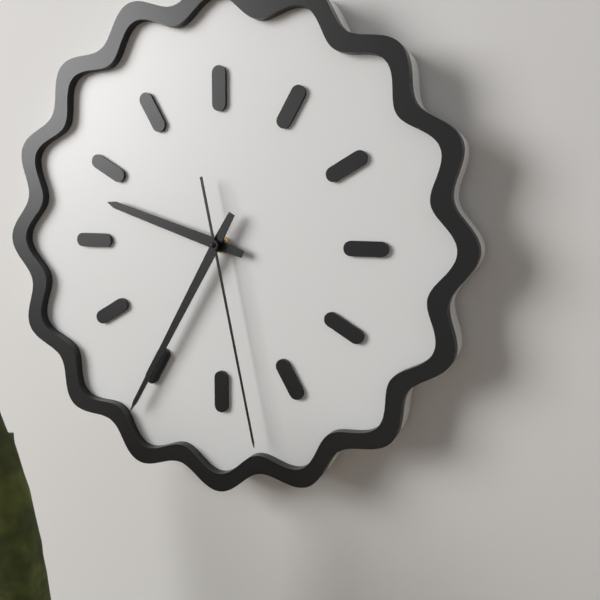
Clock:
9:35:28
